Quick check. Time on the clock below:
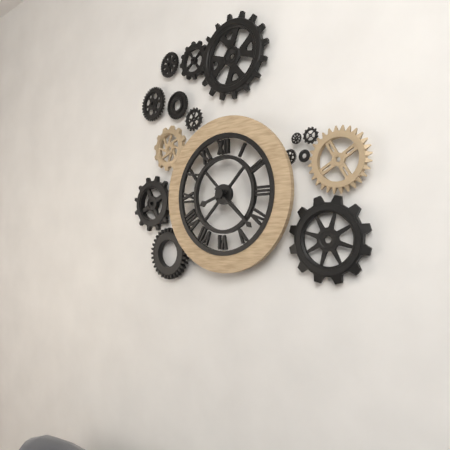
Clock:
8:22
